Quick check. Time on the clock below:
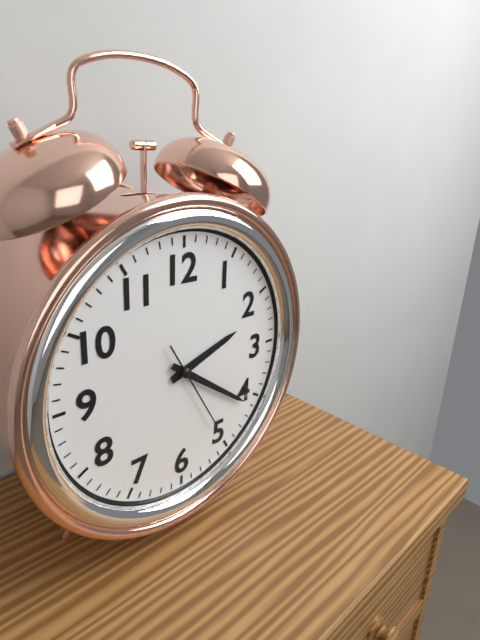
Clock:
2:21:25
